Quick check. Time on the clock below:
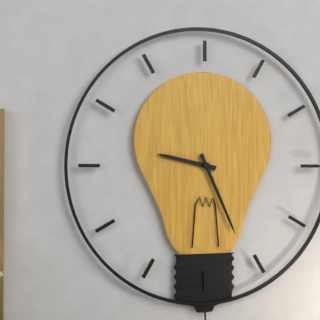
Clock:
9:26
